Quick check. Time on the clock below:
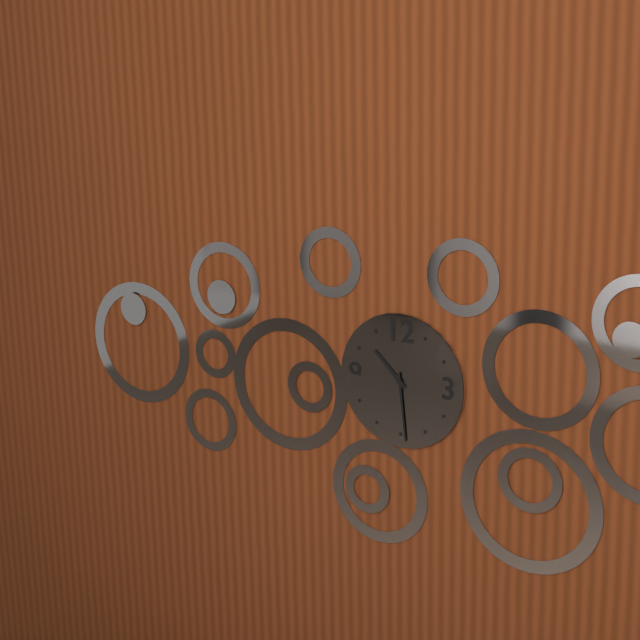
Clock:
10:29
